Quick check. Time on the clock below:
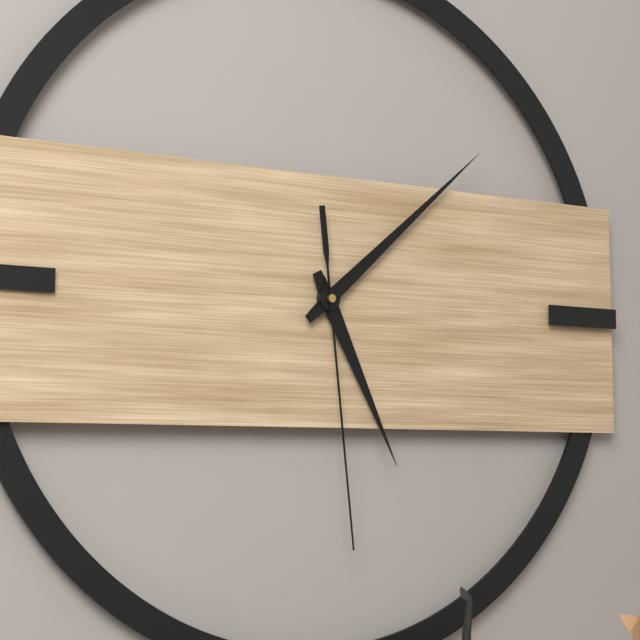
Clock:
5:08:29
